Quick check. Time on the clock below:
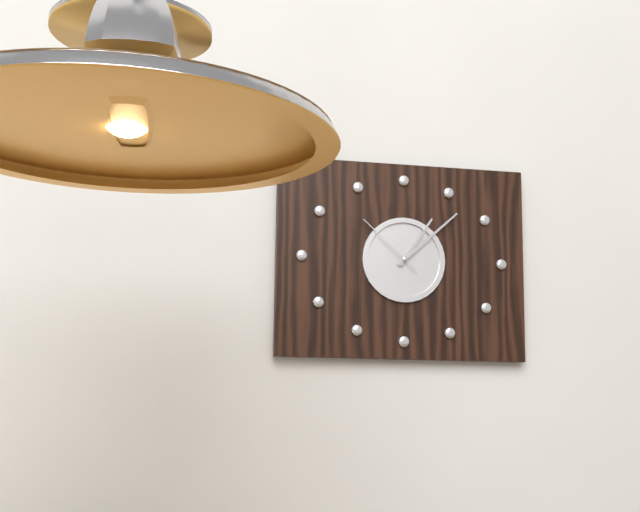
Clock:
1:08:52
